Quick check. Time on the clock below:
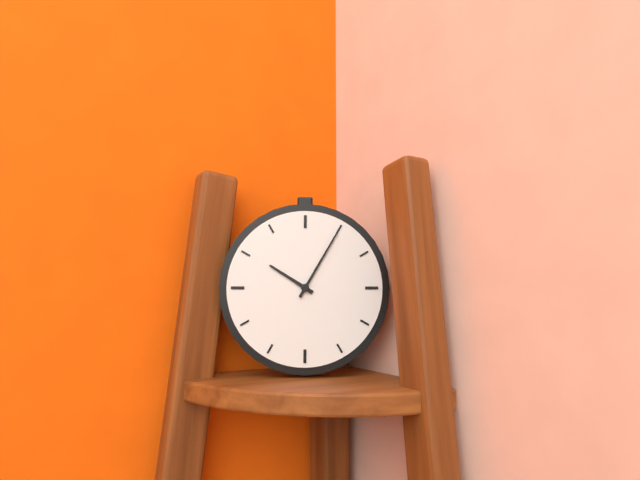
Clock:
10:05
